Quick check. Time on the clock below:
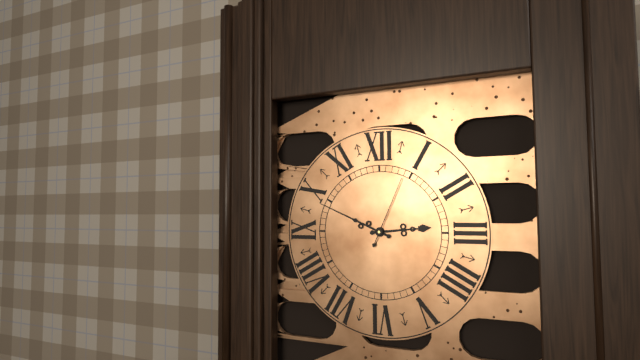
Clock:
2:49:04
